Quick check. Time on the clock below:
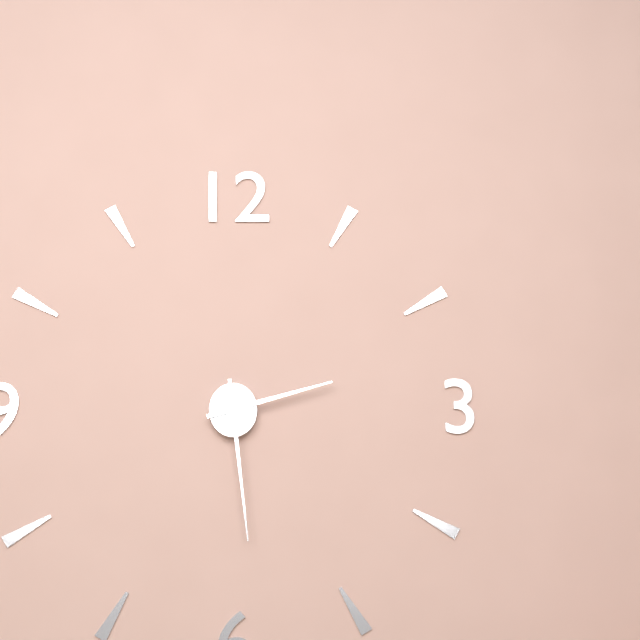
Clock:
2:29
